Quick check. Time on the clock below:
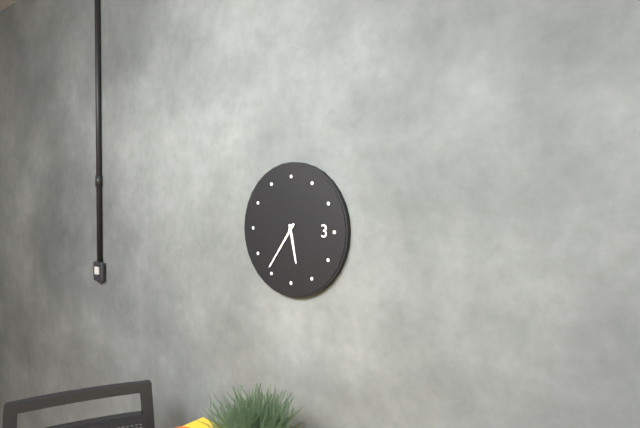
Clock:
5:36
